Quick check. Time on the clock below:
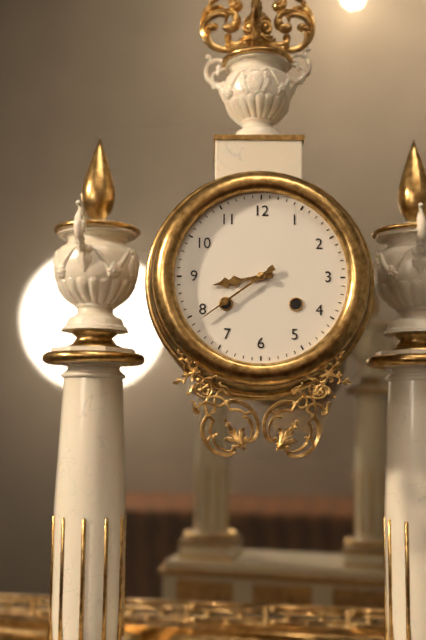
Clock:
8:39
